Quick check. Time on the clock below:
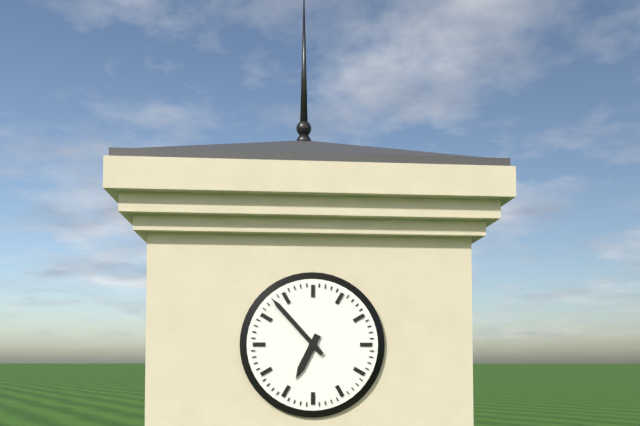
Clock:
6:53
